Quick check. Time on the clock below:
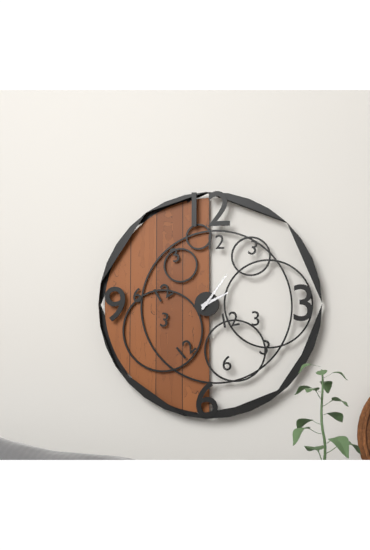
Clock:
2:06
